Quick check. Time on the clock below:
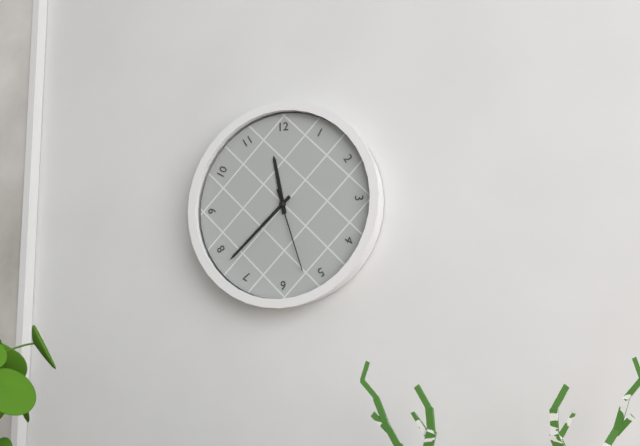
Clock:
11:38:27
